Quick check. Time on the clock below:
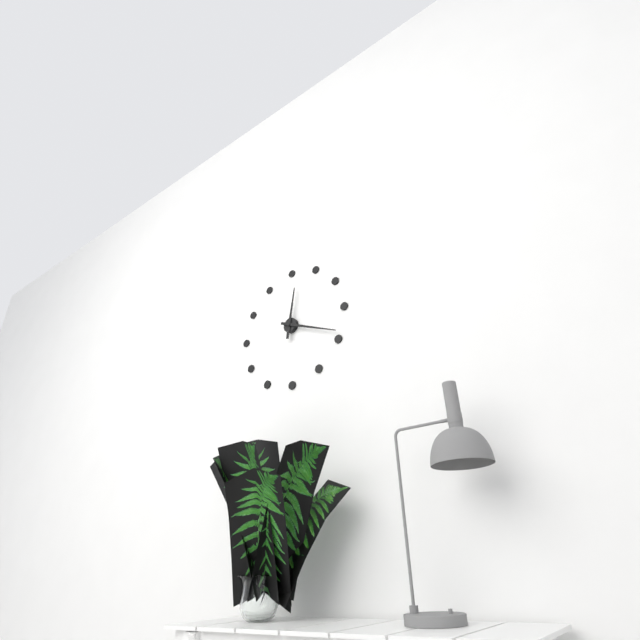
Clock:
12:19
